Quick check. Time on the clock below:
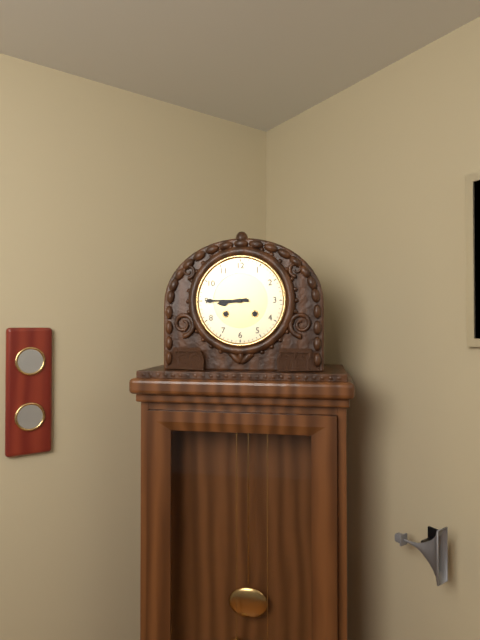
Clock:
8:45
